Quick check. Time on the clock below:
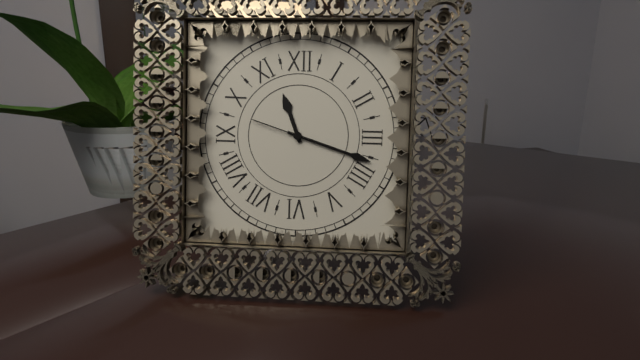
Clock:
11:18:48
